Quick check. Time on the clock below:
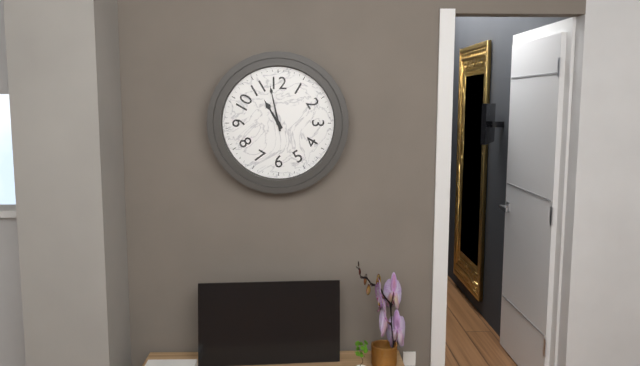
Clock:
10:58
